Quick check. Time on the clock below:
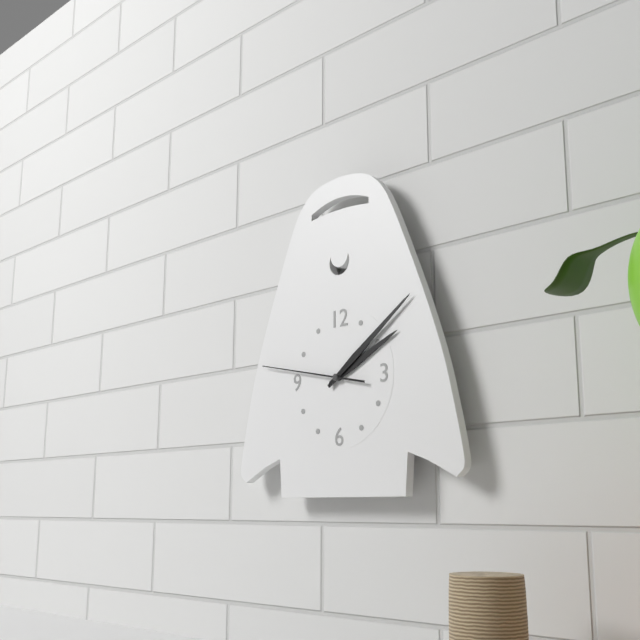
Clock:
2:09:47
